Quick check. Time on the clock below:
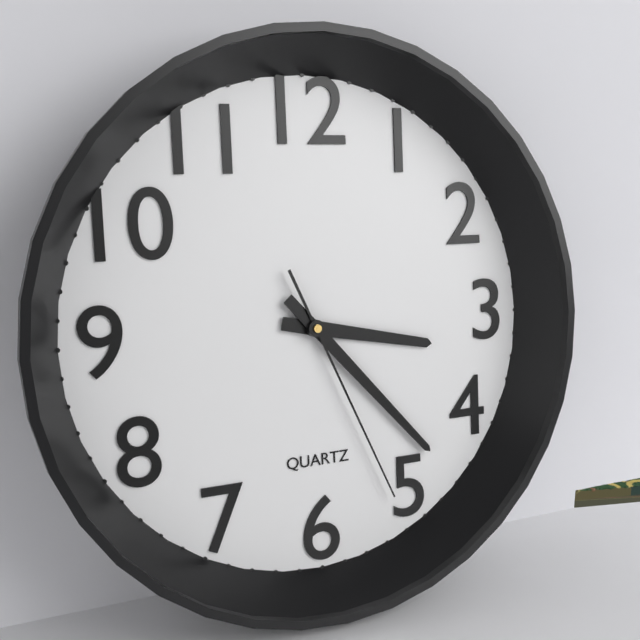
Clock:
3:23:26
